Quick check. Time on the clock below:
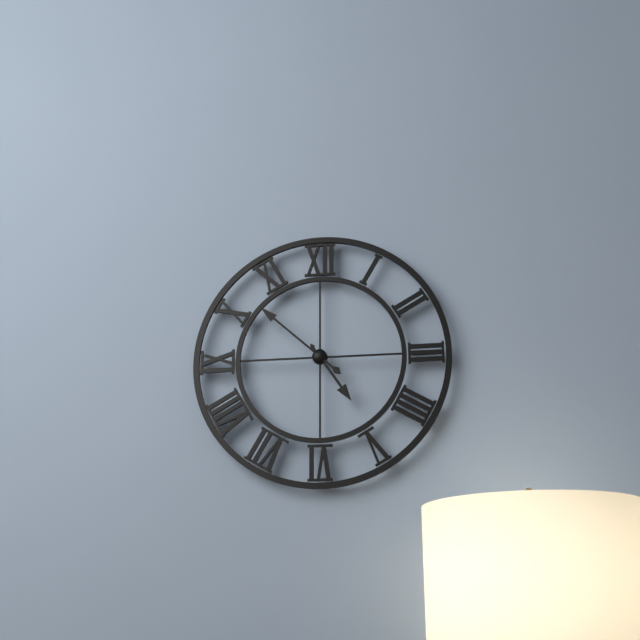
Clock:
4:52
